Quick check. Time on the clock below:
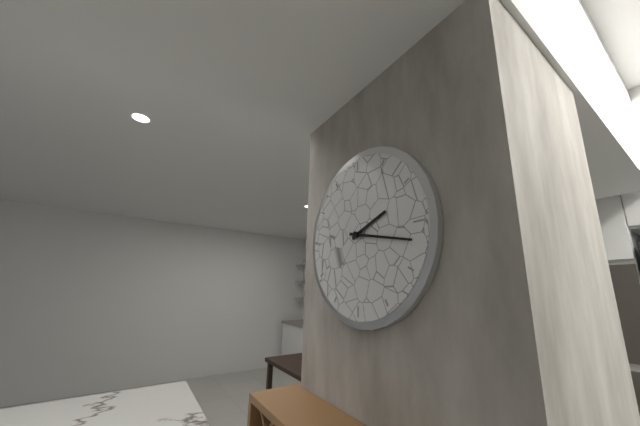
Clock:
2:17
